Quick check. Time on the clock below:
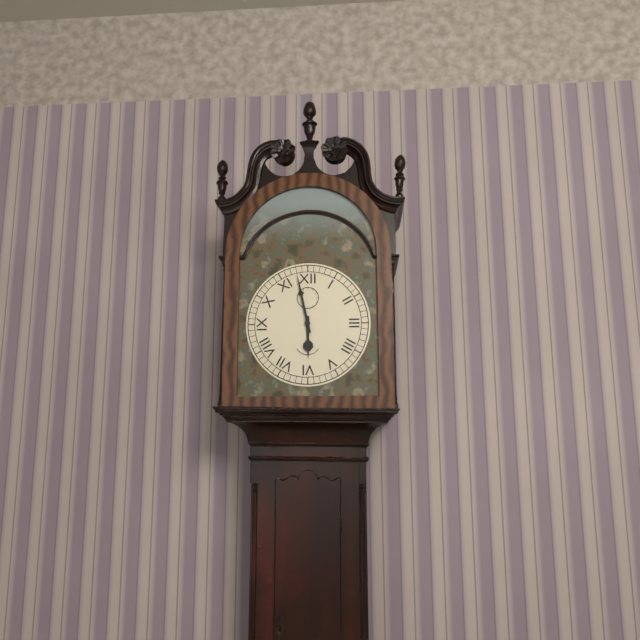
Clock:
5:58
